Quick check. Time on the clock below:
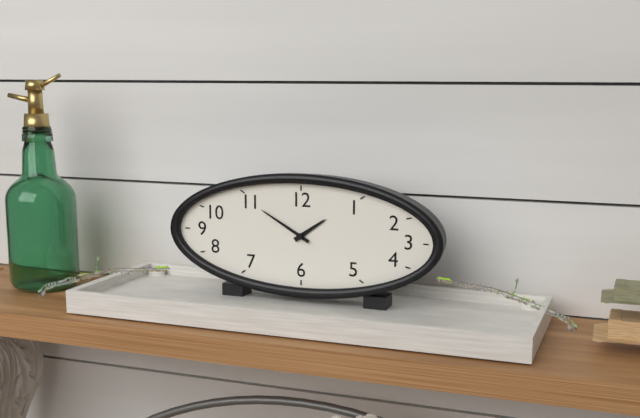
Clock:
1:50
